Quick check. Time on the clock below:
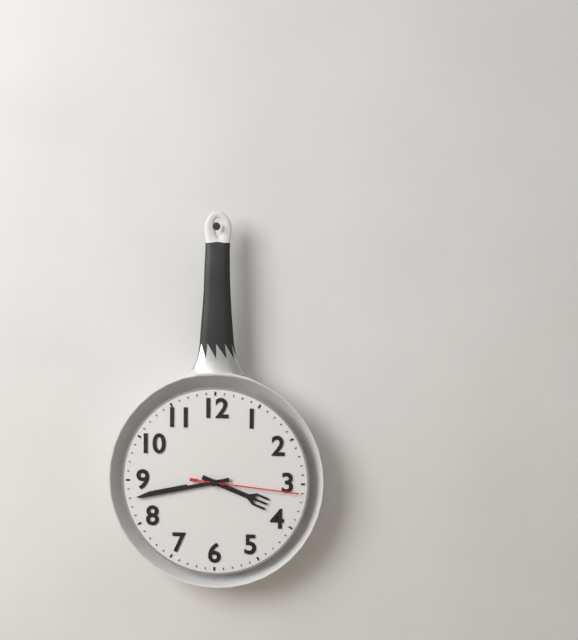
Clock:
3:43:16
